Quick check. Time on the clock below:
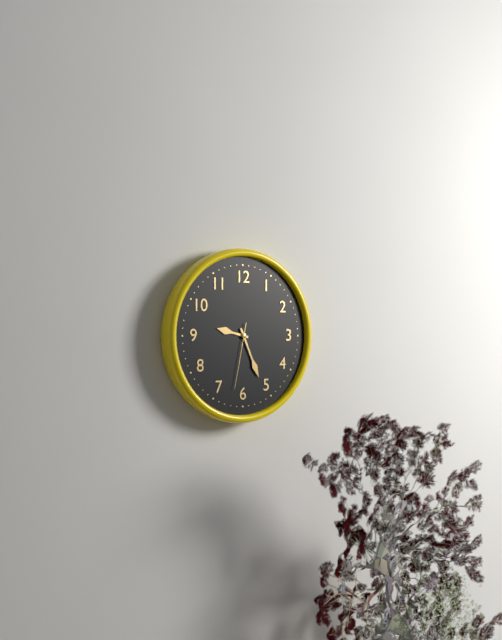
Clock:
9:26:32
